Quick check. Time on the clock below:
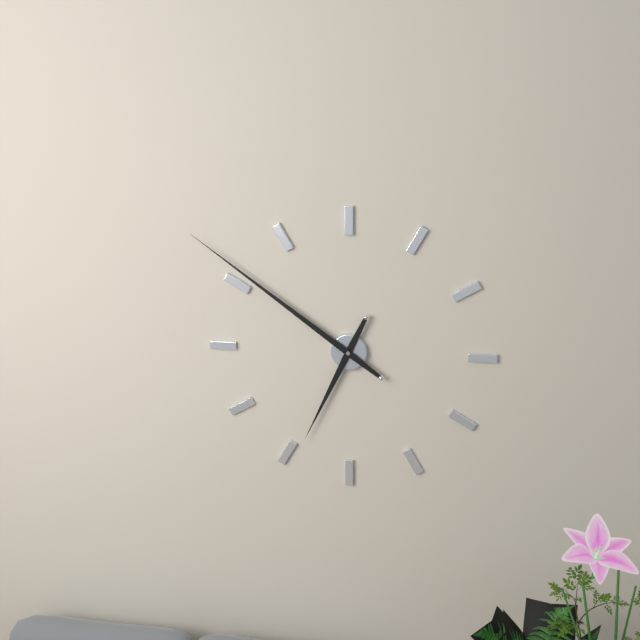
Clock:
6:51
